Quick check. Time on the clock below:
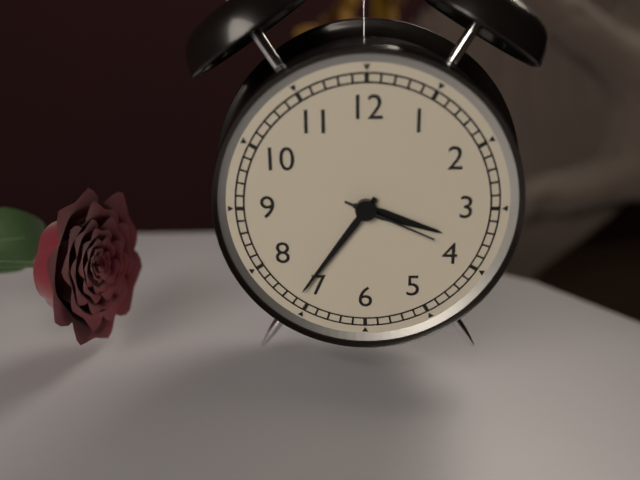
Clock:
3:36:19
